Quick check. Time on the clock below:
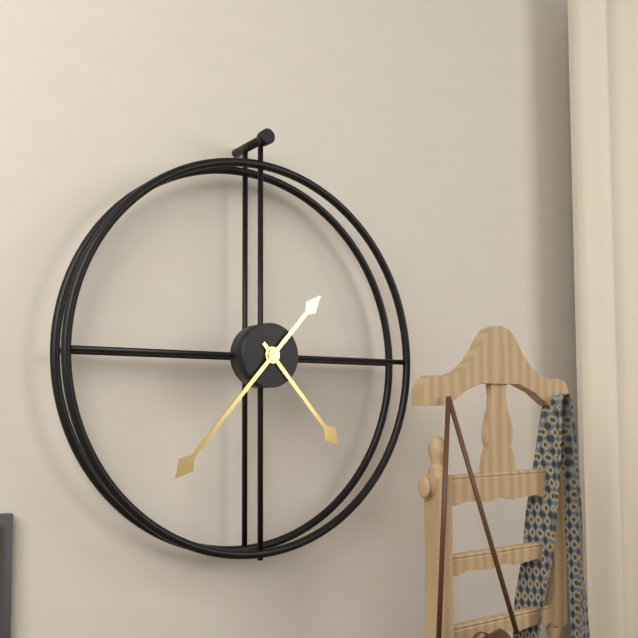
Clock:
4:37
